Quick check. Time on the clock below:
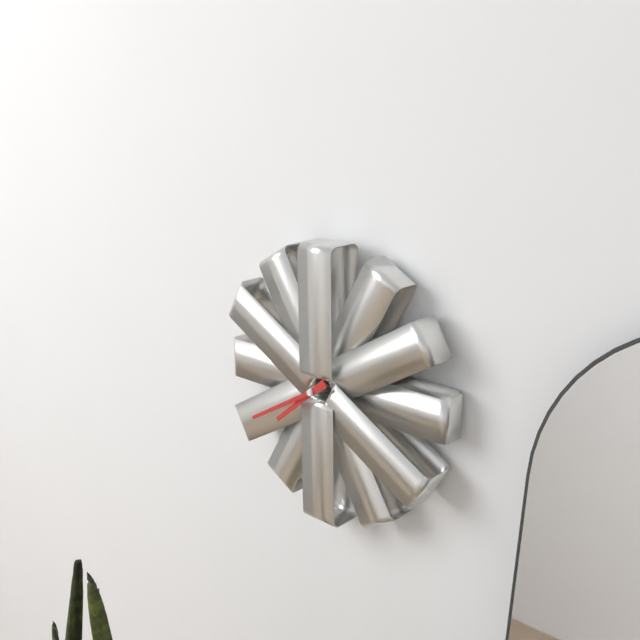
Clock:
7:40
